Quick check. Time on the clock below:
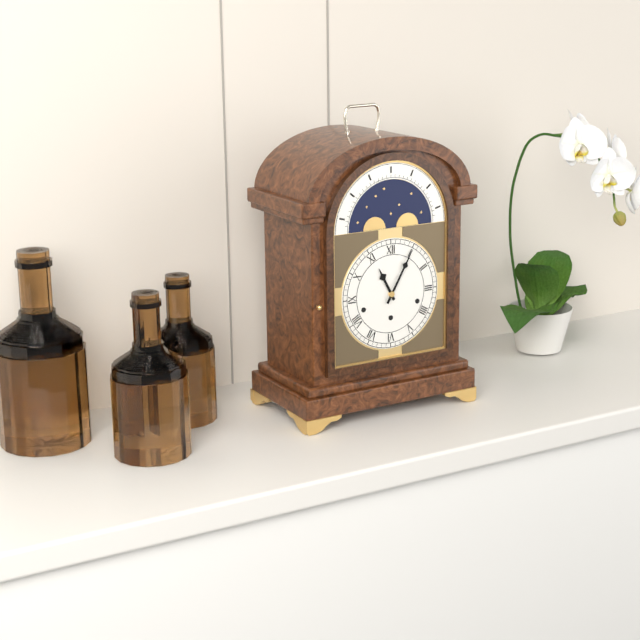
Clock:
11:05
